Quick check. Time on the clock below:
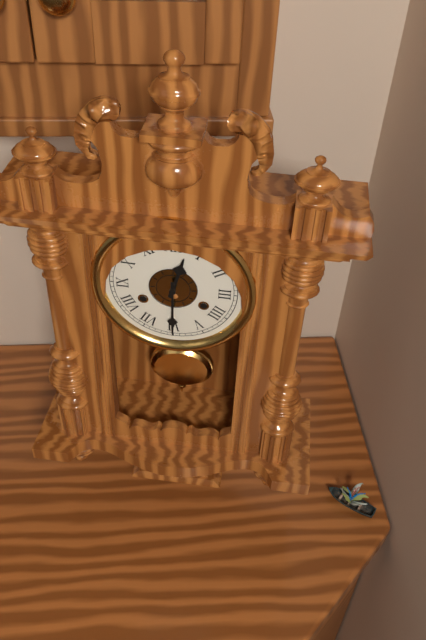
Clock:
12:30
